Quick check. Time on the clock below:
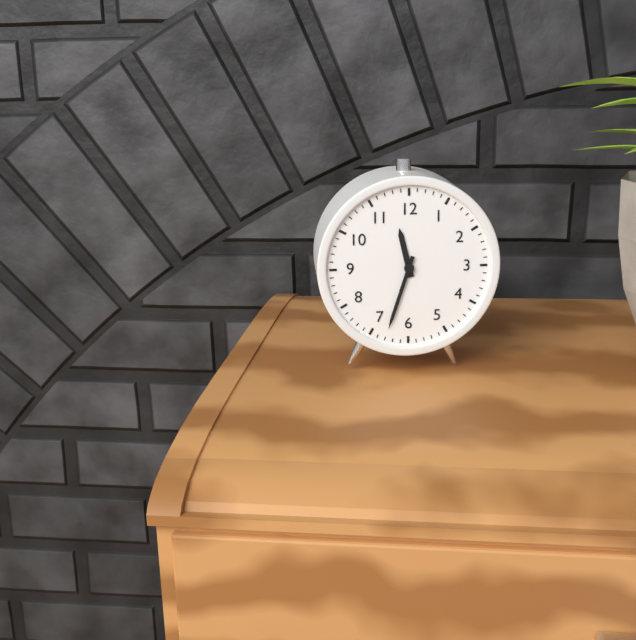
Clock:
11:33
